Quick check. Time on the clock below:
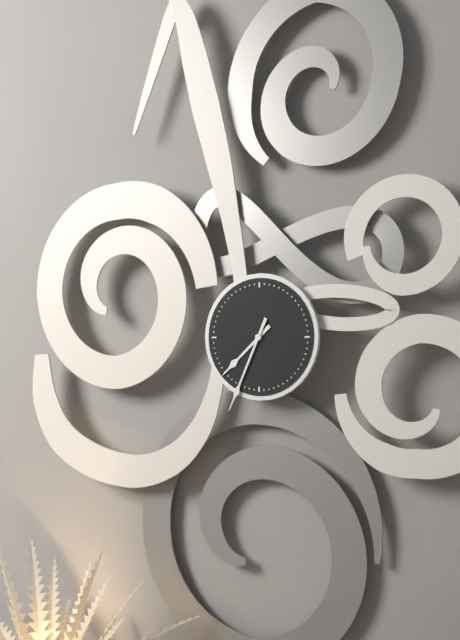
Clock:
7:34
